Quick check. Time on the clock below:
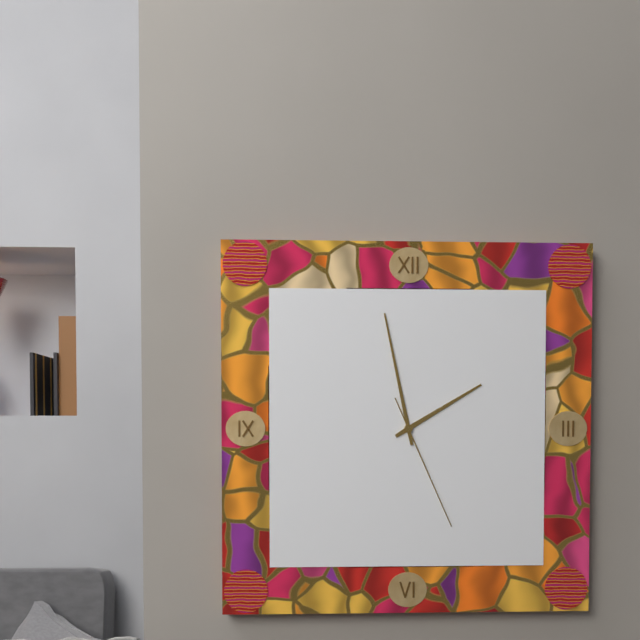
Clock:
1:58:26
